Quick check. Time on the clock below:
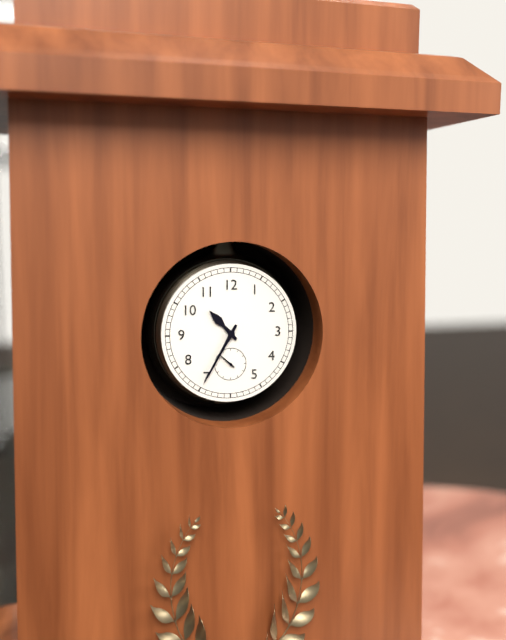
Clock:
10:35
